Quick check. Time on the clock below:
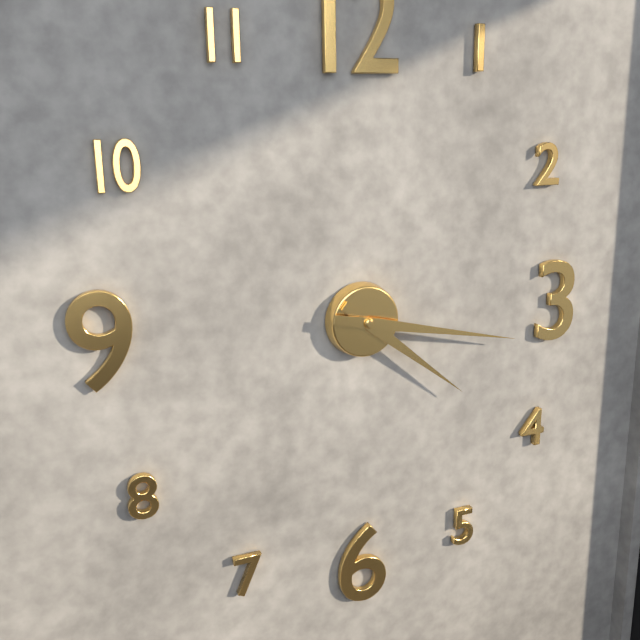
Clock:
4:17
